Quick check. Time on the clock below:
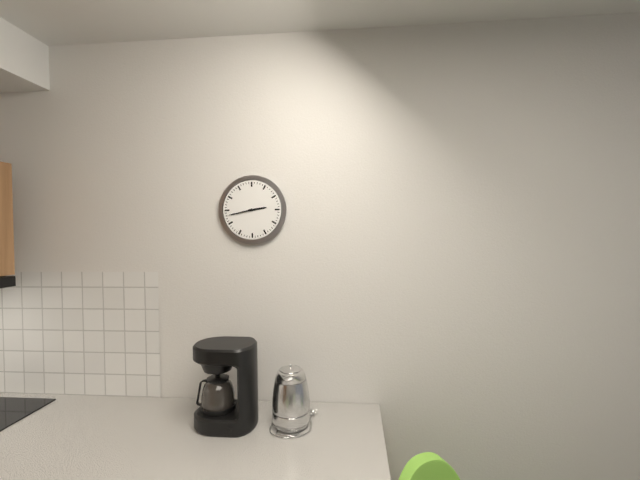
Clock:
2:43
